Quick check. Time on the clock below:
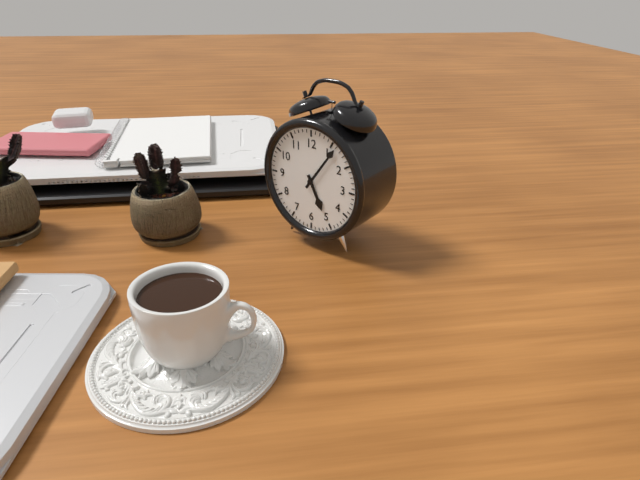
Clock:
5:06
